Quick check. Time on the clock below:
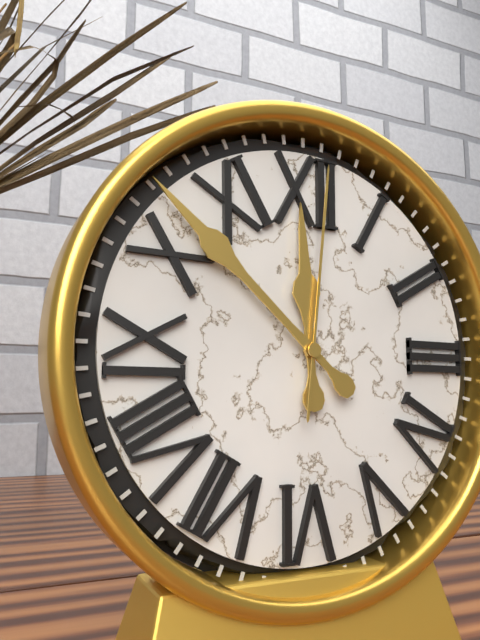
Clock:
11:52:01
